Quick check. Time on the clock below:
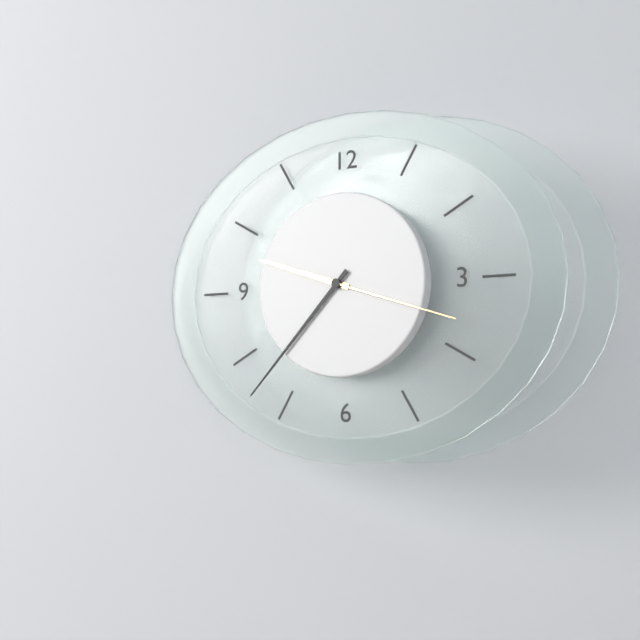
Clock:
9:37:18
